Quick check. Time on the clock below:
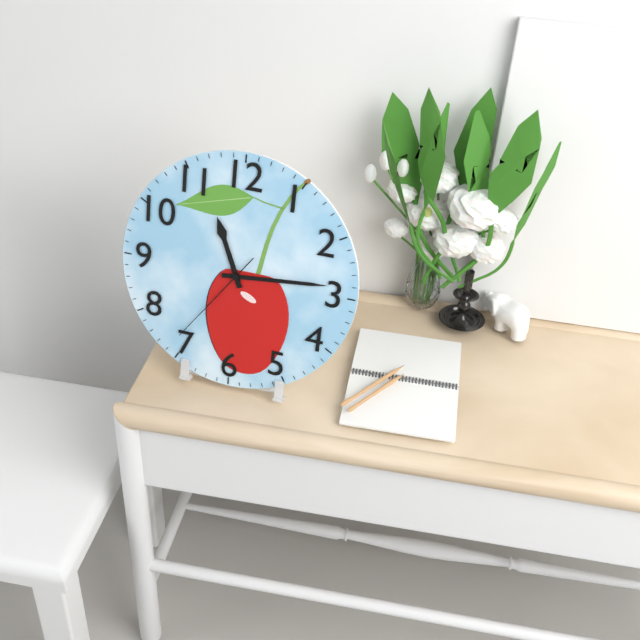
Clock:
11:14:36
